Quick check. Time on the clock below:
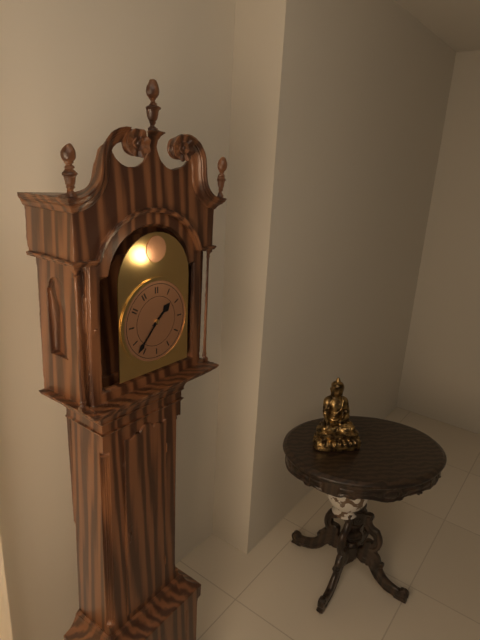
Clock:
1:37
